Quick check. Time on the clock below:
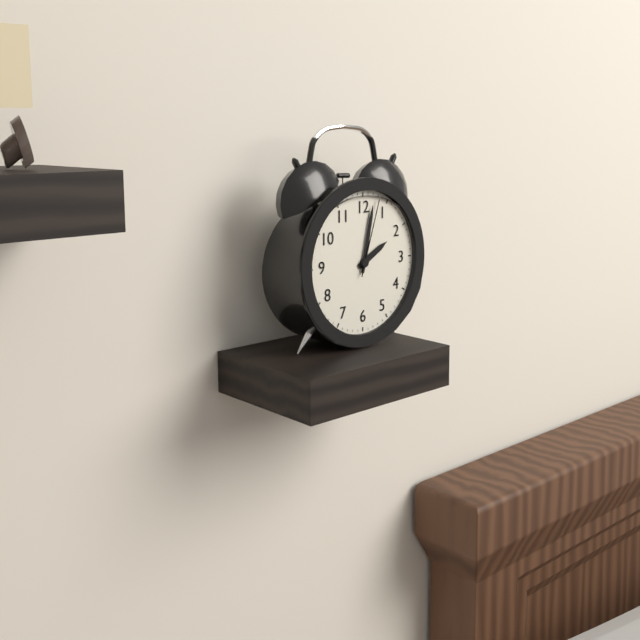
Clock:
2:02:03
